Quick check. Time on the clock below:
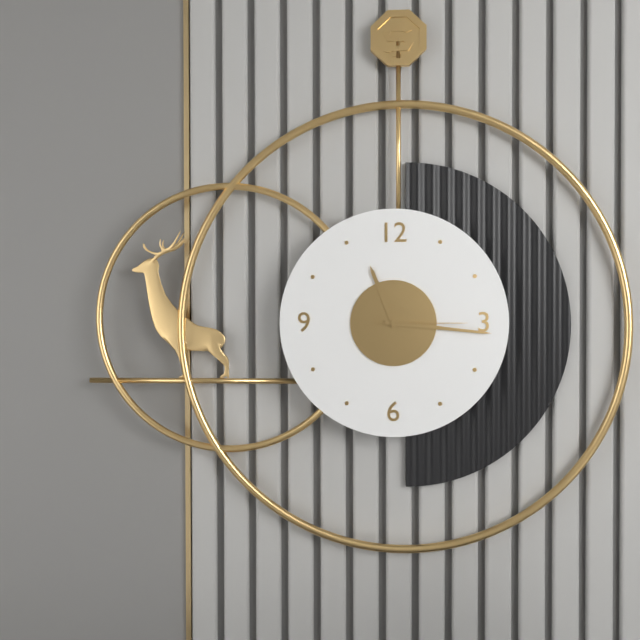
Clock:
11:16:15
